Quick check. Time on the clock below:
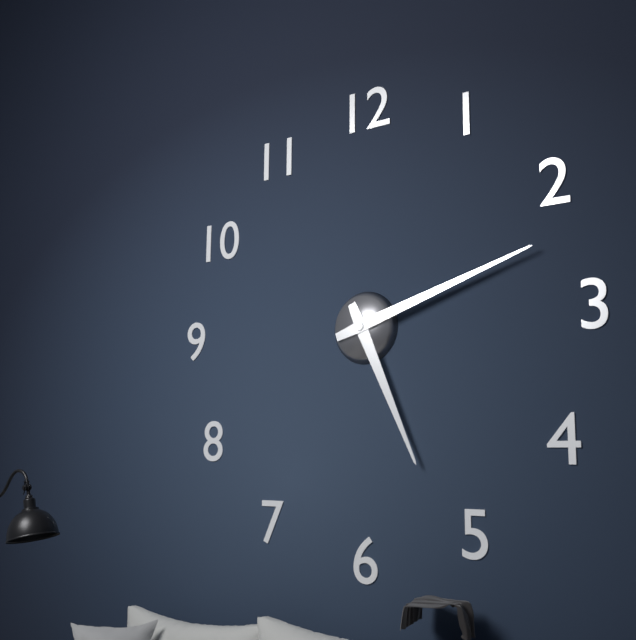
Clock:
5:12
